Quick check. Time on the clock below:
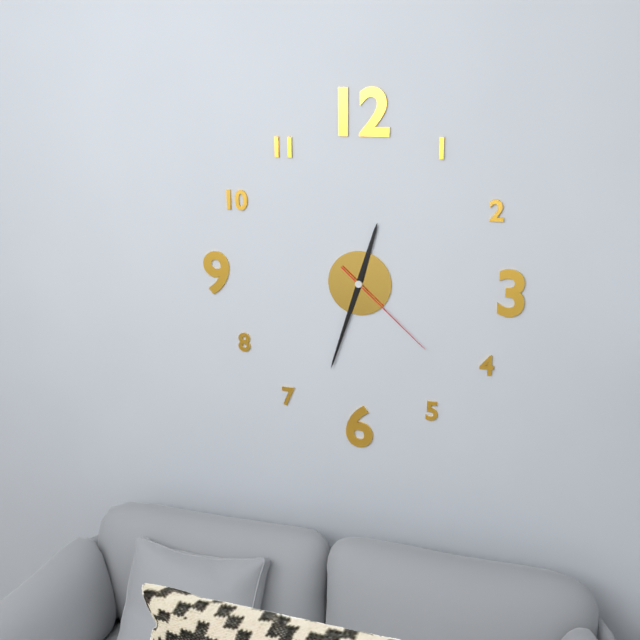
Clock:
12:33:22
